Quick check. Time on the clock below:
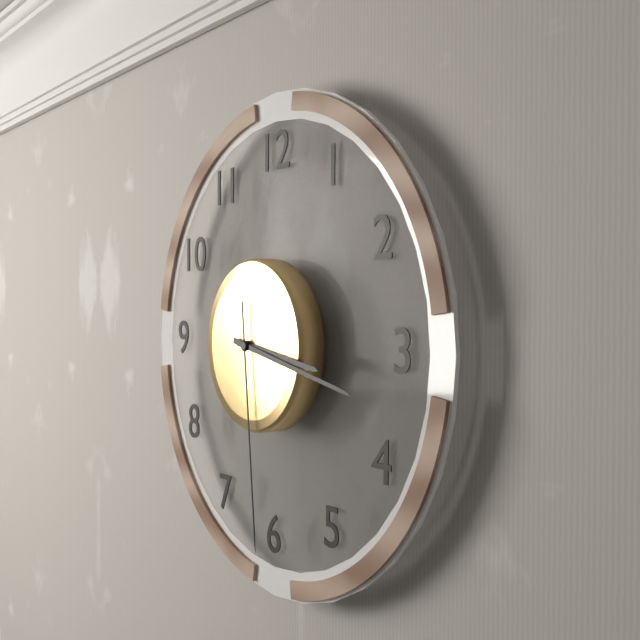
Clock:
3:17:29
